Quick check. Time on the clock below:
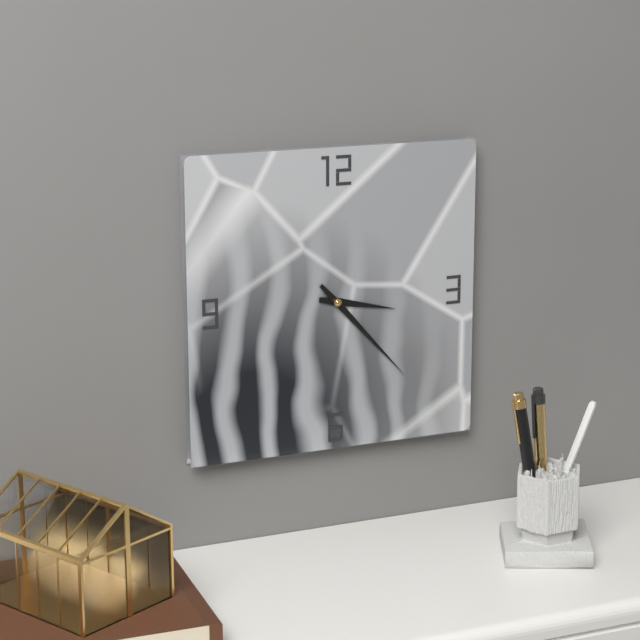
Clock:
3:23
